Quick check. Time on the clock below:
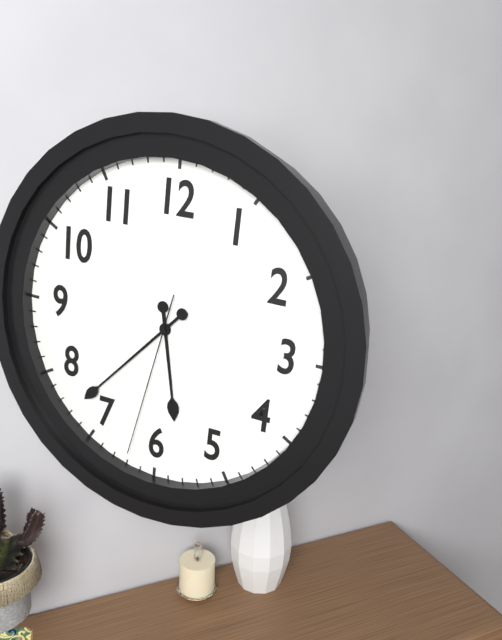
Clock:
5:37:32
